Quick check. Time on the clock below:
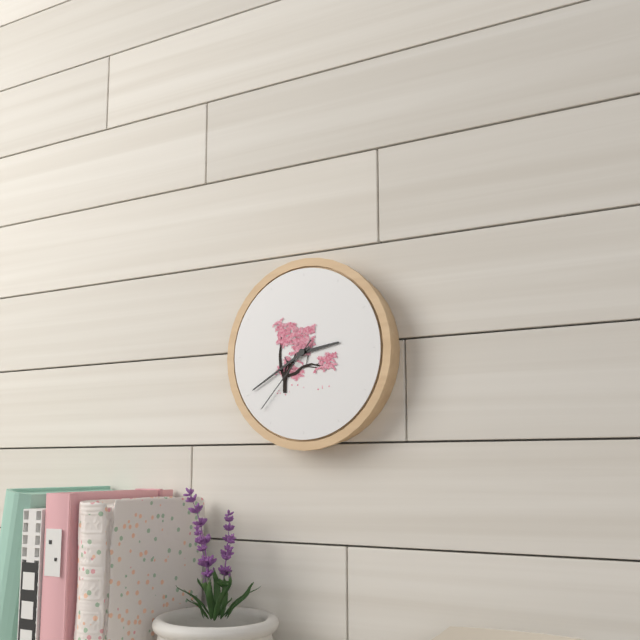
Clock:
2:40:37
